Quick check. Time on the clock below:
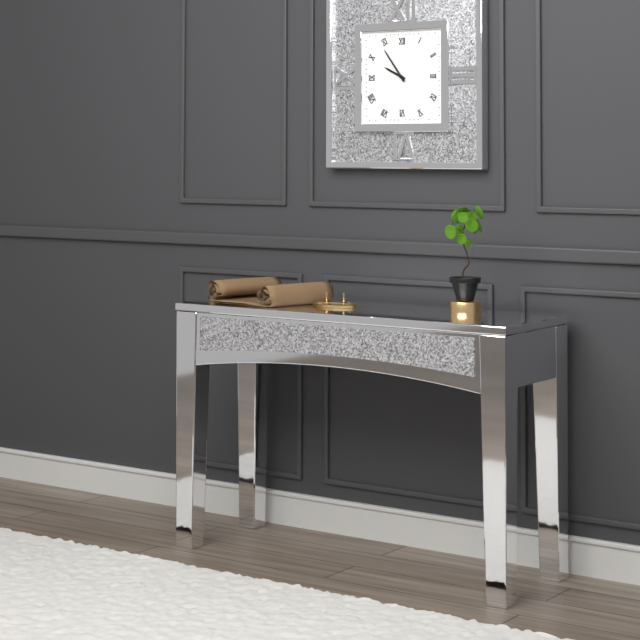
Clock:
9:54
